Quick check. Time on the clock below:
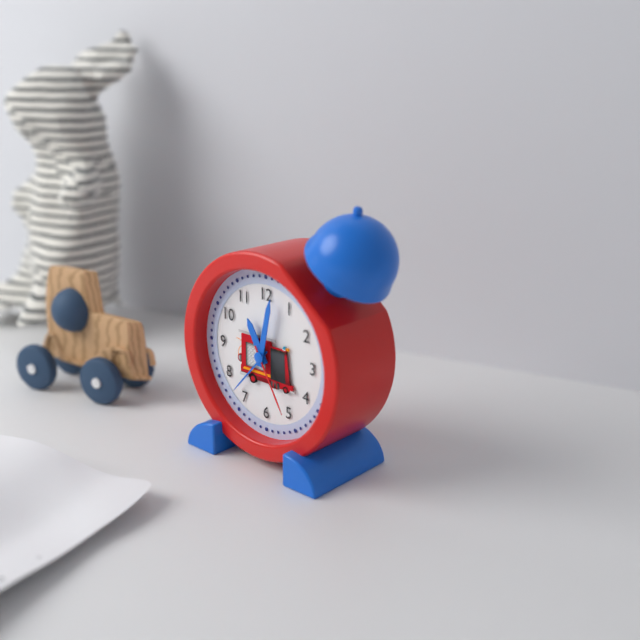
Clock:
11:02:25
